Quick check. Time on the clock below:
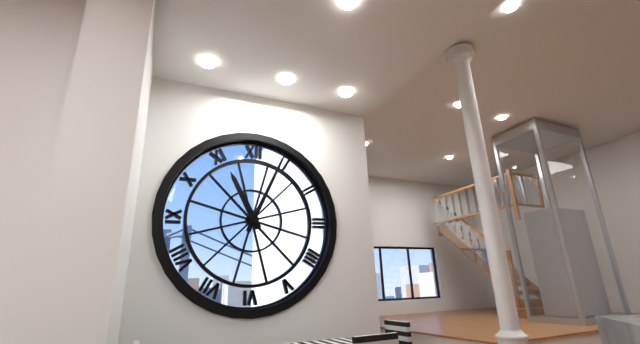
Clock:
11:04
